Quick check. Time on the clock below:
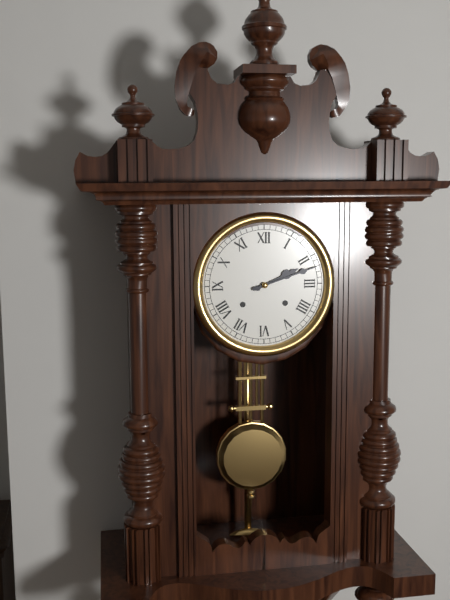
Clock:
2:12
